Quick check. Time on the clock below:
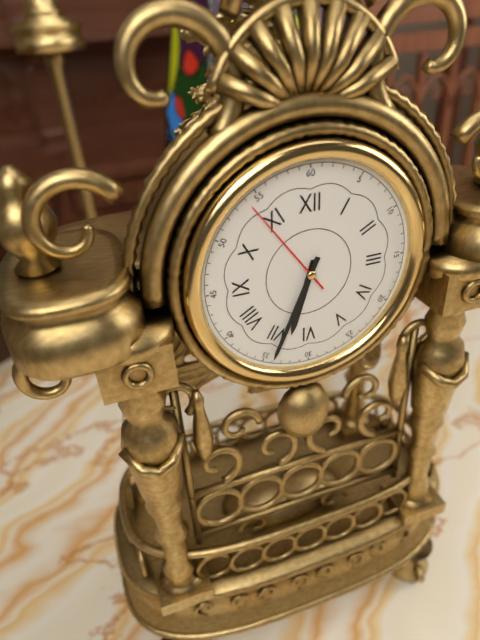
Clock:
6:34:54
